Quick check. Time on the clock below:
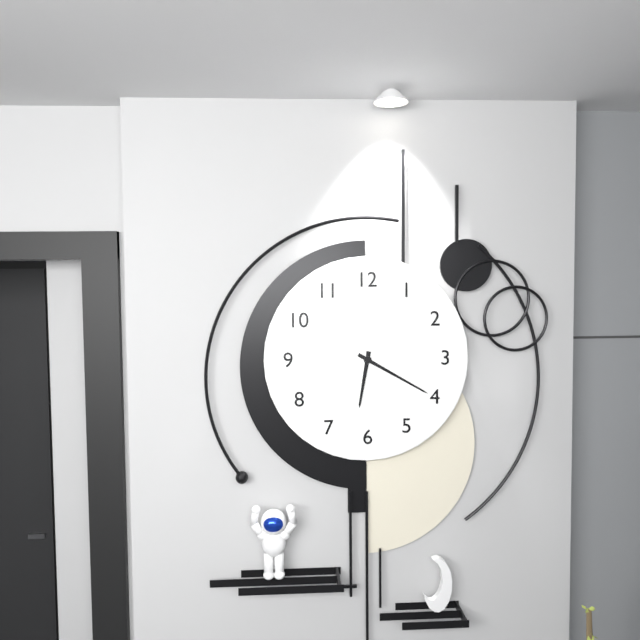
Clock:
6:20
